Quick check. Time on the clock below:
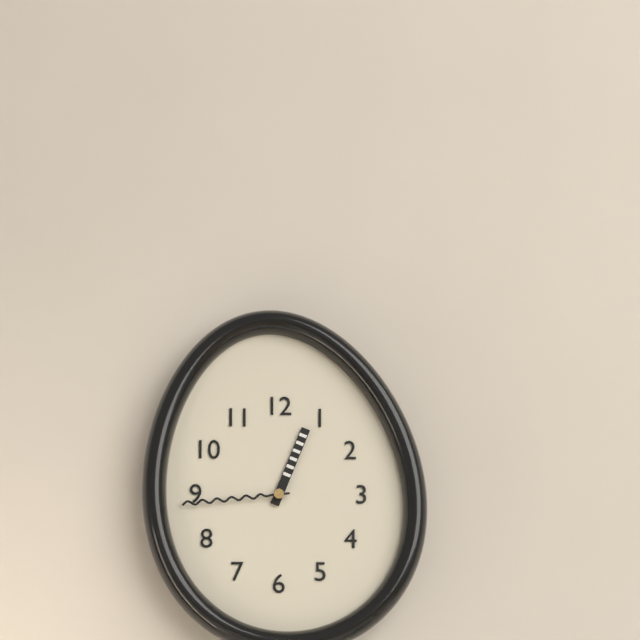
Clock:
12:44
